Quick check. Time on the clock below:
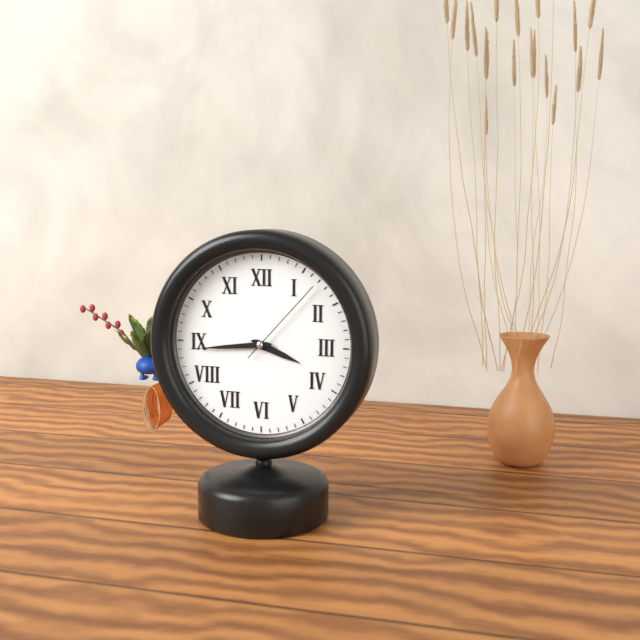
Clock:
3:44:07
